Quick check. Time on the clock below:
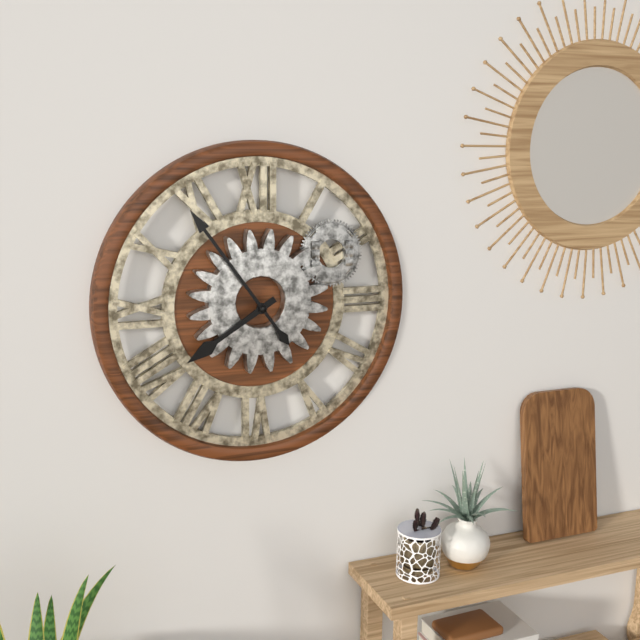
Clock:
7:54
